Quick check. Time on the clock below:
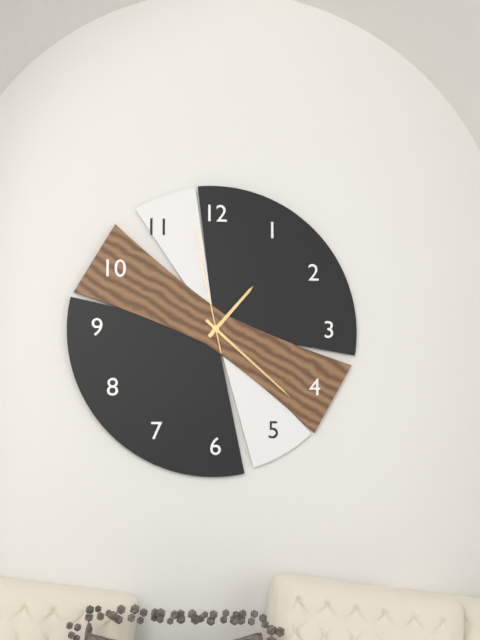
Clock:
1:22:58
